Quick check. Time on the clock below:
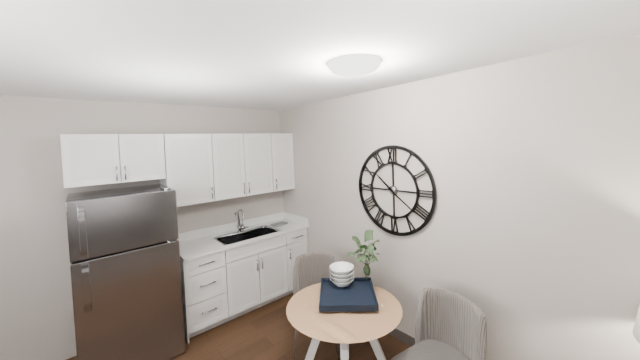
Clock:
10:21
